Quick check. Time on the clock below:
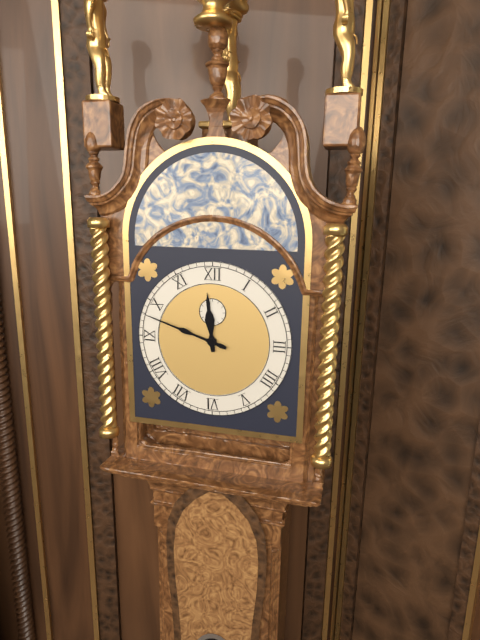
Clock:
11:48
